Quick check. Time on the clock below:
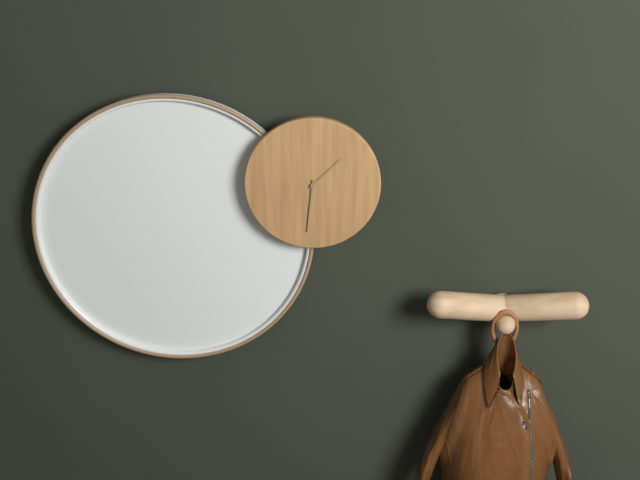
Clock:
1:31
